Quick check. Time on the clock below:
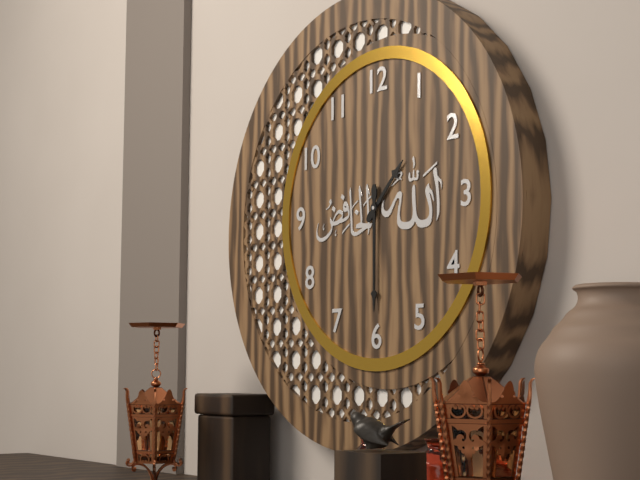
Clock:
1:30
